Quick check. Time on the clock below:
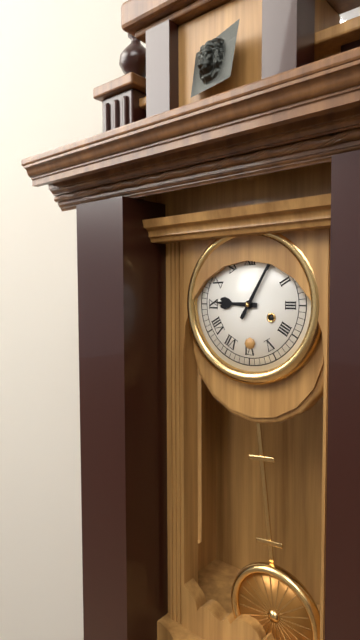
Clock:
9:05
